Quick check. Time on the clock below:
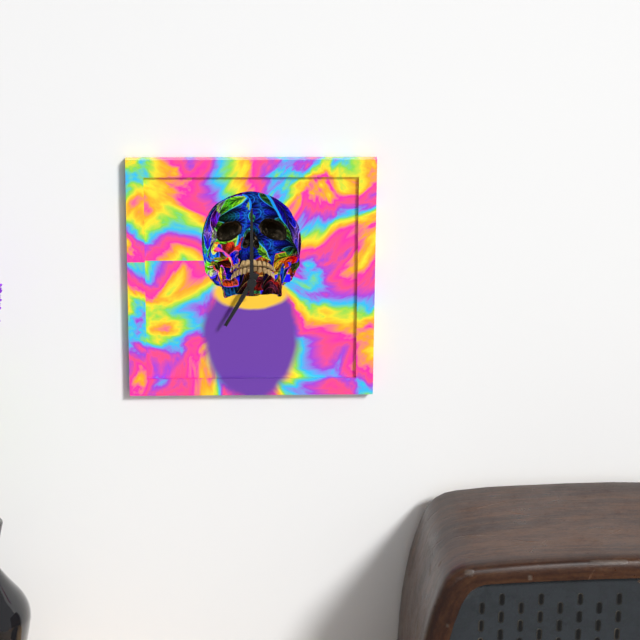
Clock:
7:00
